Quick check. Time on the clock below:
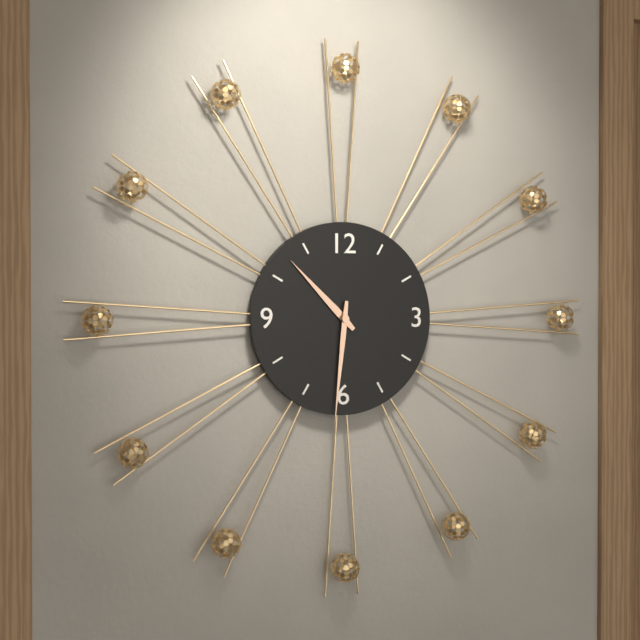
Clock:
10:31
